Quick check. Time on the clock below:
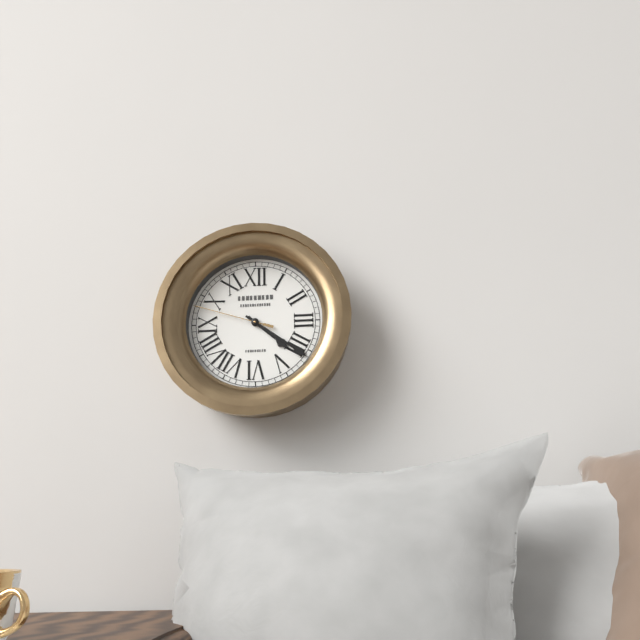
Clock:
4:21:48
